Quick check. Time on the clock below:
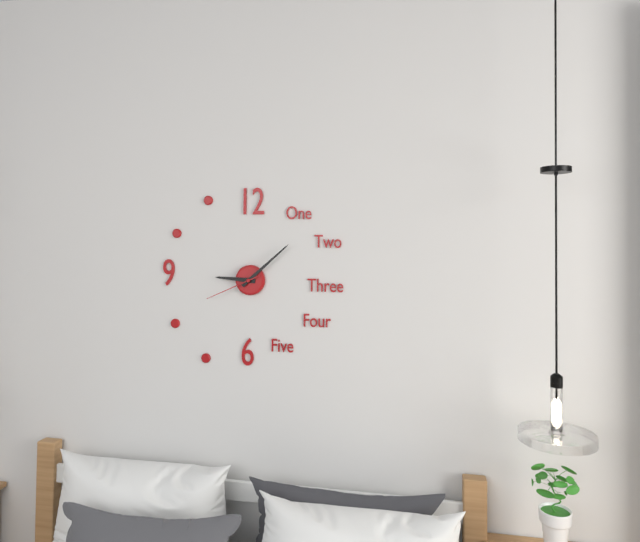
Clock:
9:08:41
